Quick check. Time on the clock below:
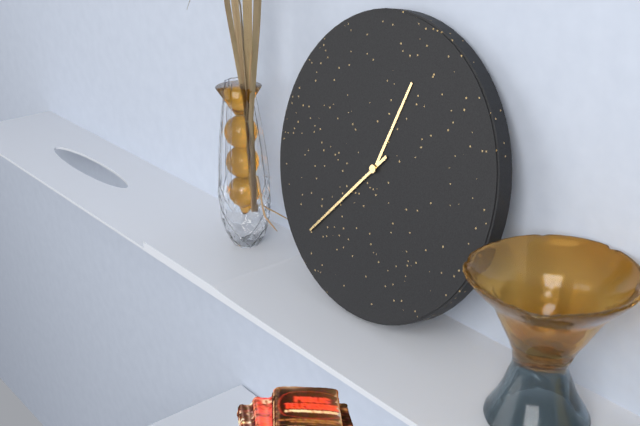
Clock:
12:37
